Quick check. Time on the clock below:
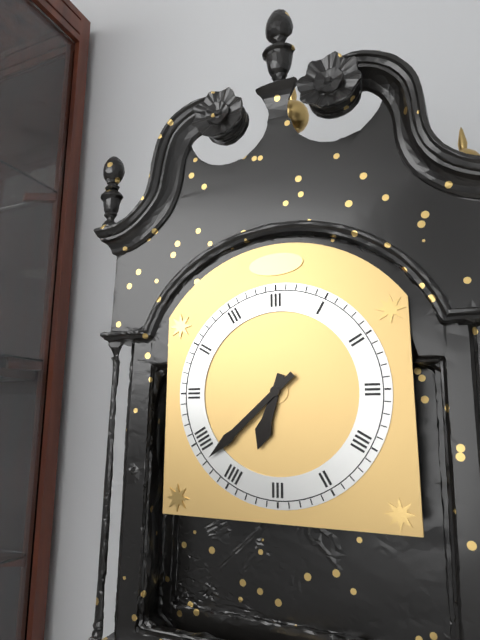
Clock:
6:38
